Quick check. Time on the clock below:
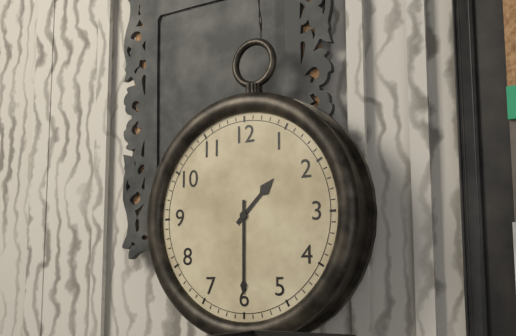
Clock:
1:30
